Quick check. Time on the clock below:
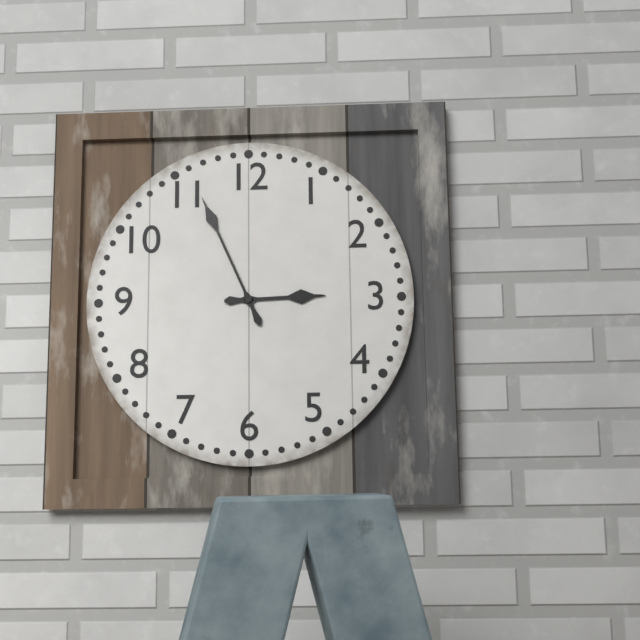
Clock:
2:56
